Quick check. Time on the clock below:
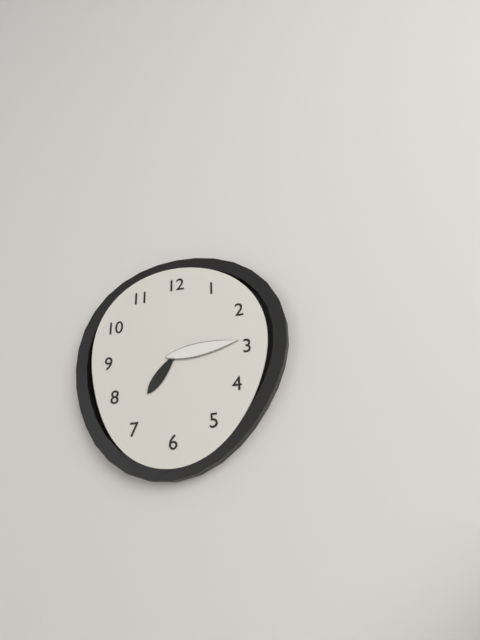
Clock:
7:14
